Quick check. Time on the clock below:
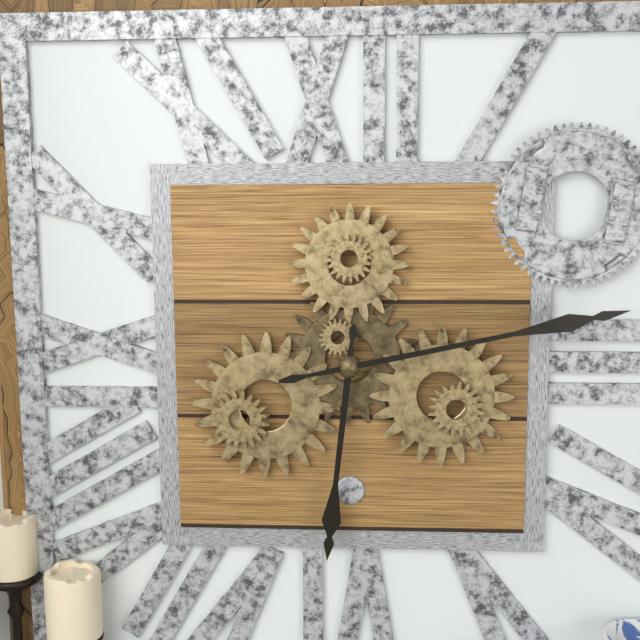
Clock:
6:13
